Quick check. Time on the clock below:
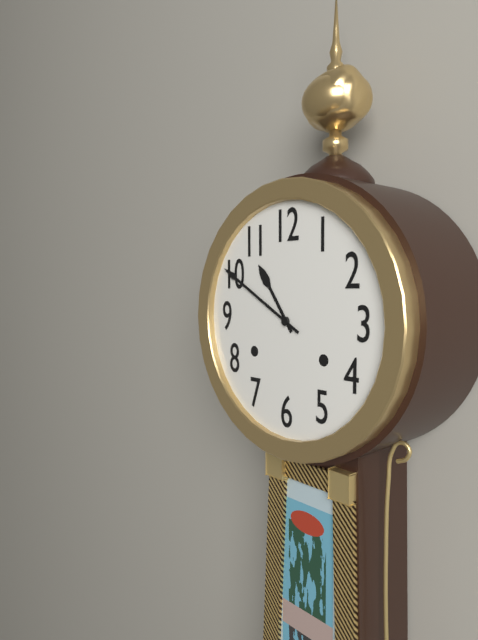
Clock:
10:50
